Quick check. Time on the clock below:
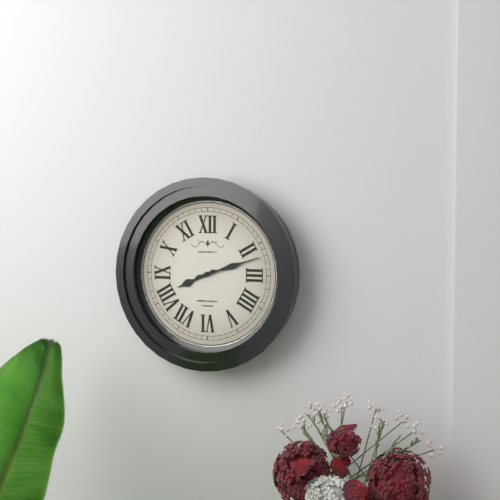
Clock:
8:12
